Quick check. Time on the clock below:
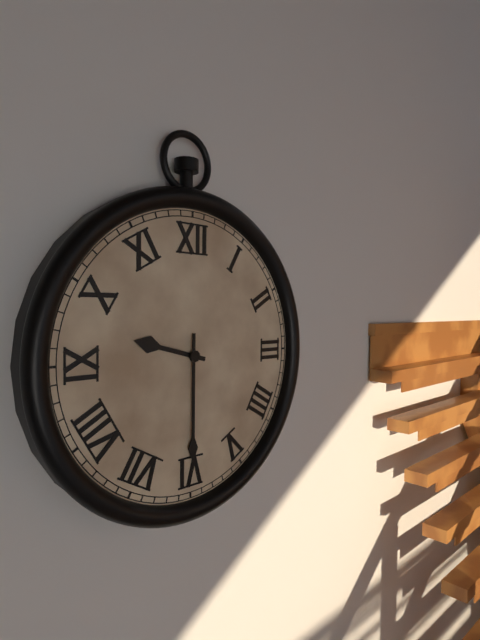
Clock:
9:30
